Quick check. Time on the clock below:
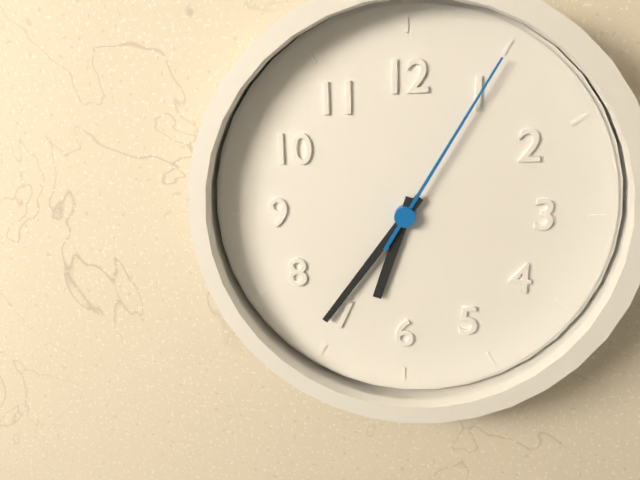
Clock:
6:36:05
